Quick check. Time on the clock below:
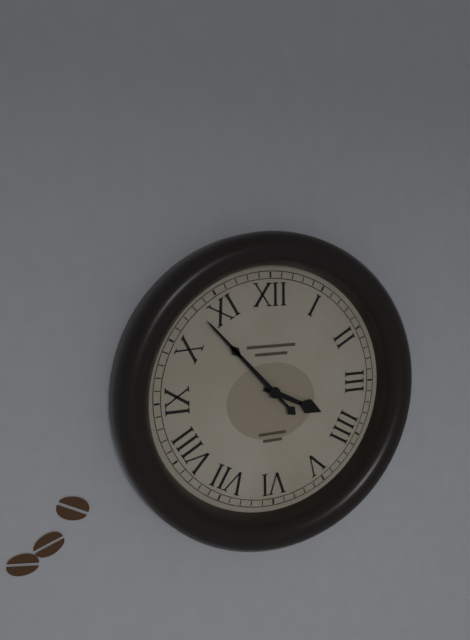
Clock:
3:53
